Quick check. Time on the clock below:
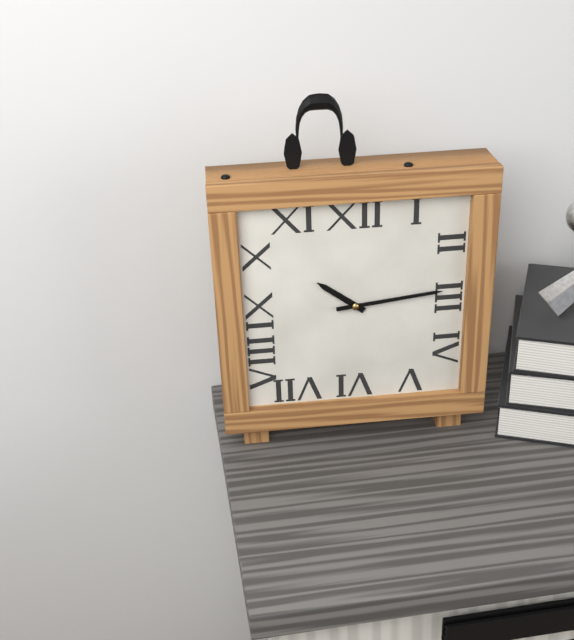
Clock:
10:14
